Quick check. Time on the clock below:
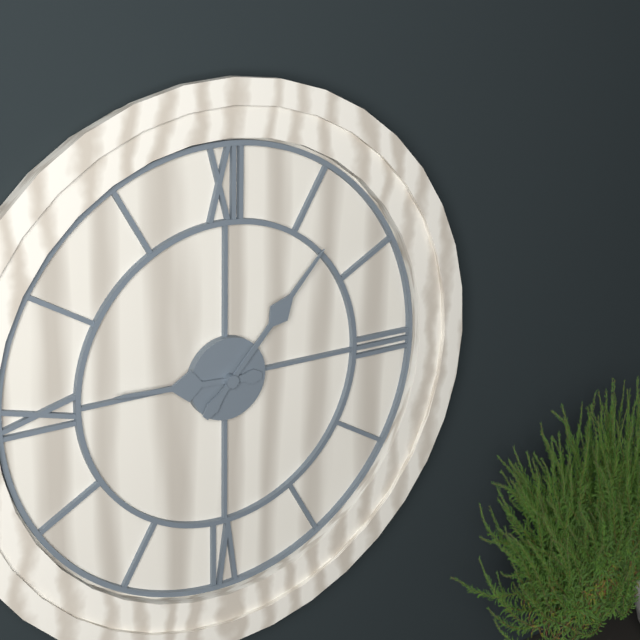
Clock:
9:07
